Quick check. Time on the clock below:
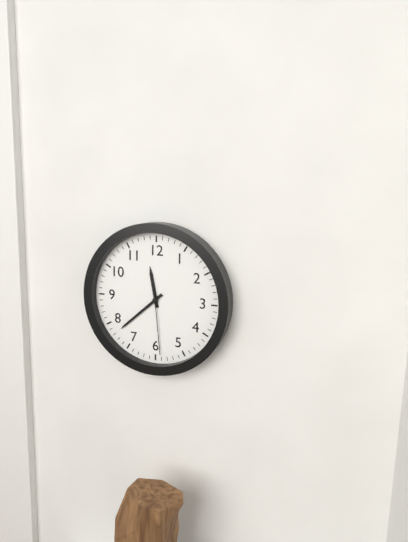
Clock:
11:38:29
